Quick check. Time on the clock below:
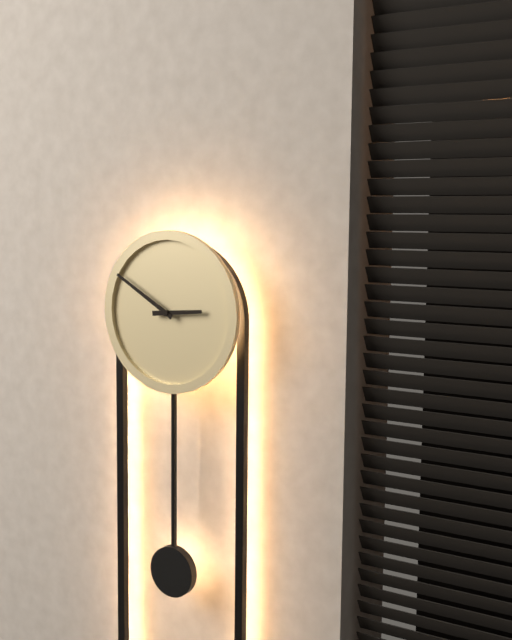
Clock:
2:50
